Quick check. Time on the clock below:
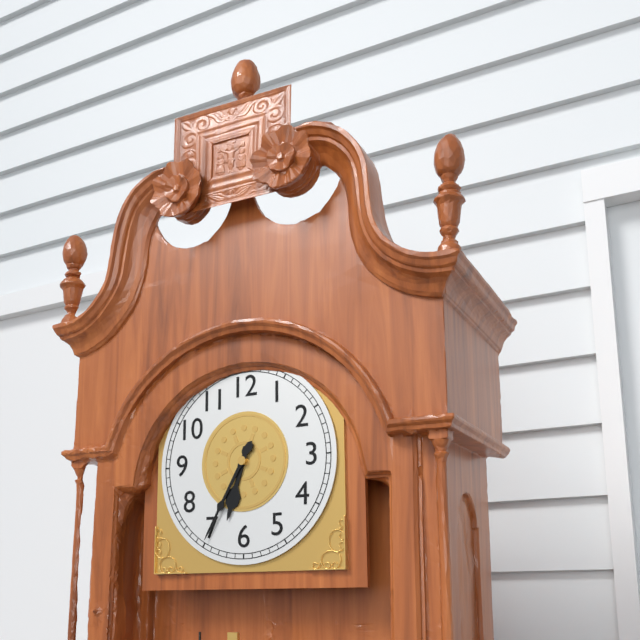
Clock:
6:35
